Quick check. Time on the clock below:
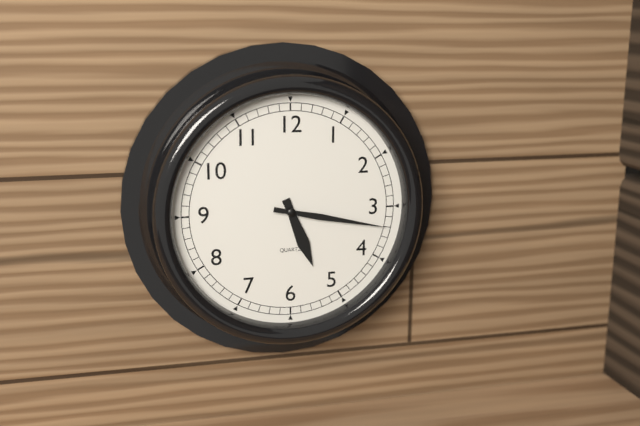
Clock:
5:17
